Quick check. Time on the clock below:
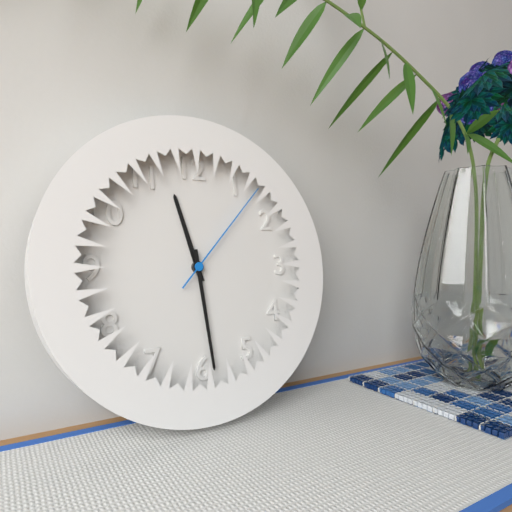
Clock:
11:29:07
